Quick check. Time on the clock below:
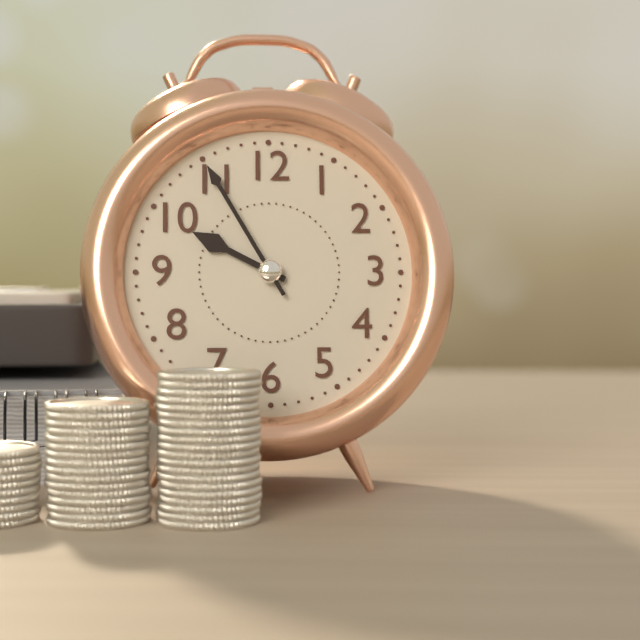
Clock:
9:55
